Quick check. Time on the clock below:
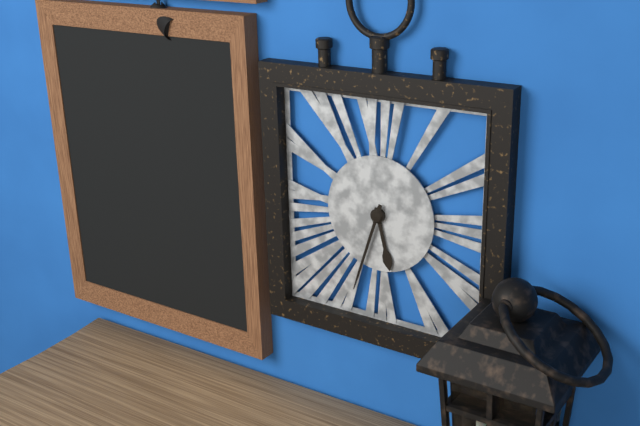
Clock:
5:33
